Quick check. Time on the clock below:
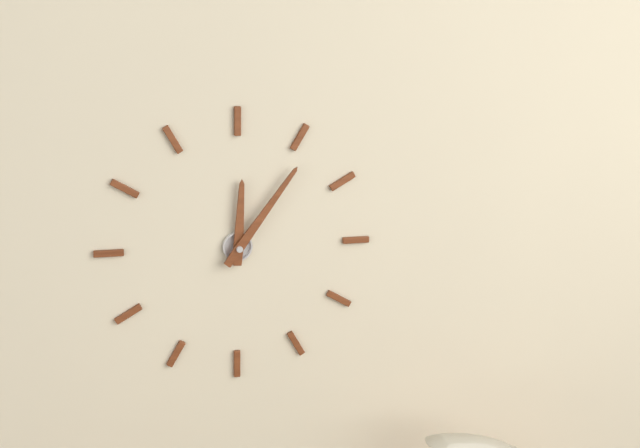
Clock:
12:06
